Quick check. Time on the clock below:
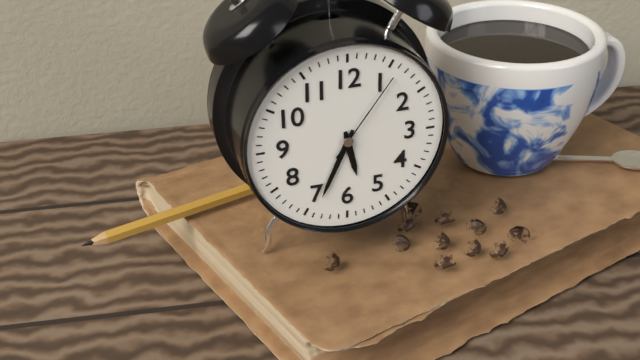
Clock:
5:34:06
